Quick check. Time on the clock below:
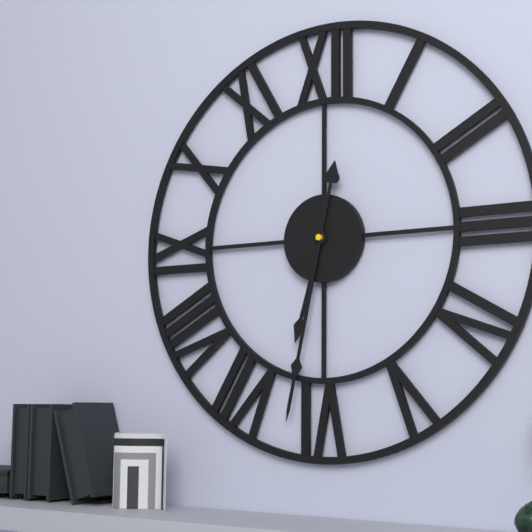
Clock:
6:32
